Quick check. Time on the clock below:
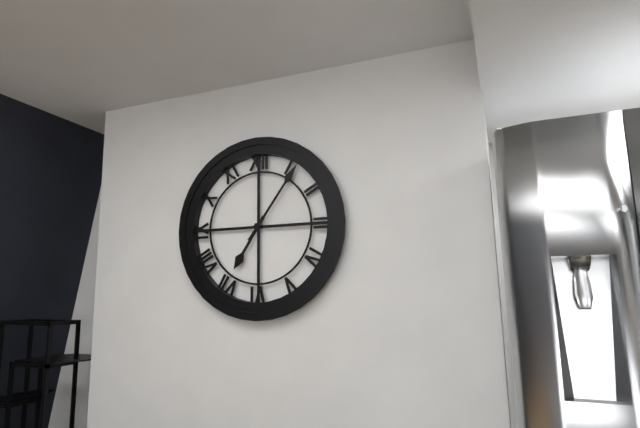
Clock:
7:06
